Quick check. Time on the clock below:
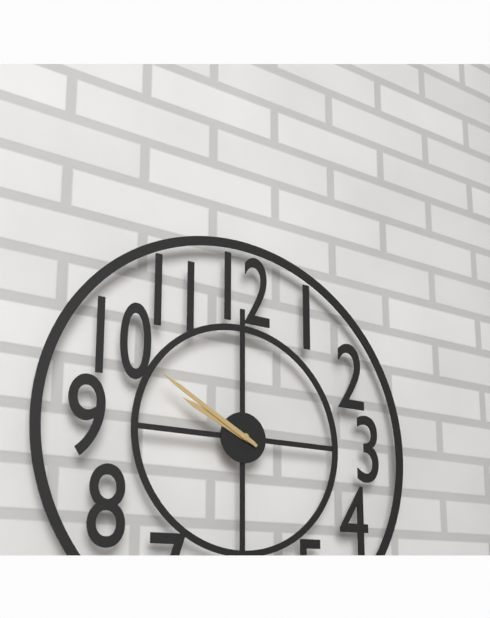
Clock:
9:50
